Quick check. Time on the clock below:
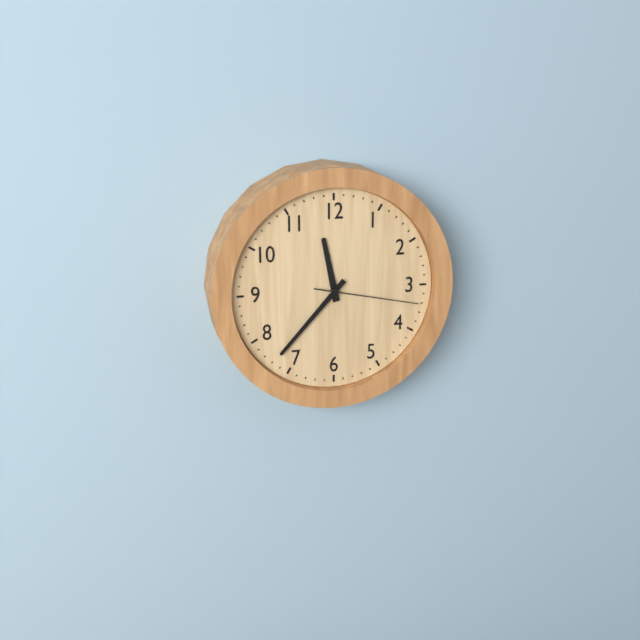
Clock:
11:37:17
